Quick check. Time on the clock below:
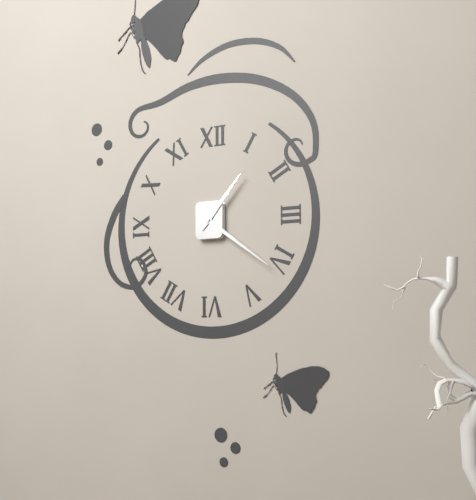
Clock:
1:21
